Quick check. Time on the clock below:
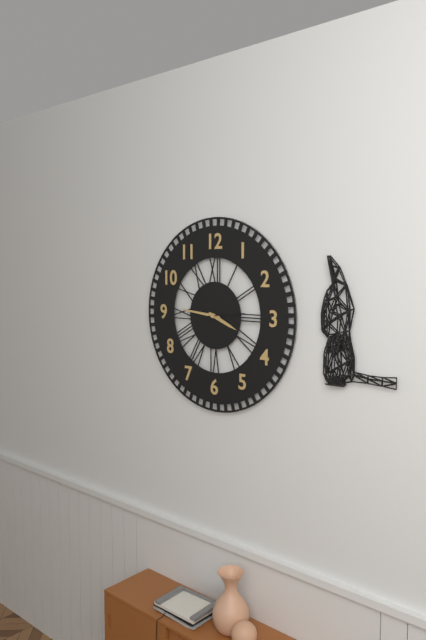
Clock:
3:46
